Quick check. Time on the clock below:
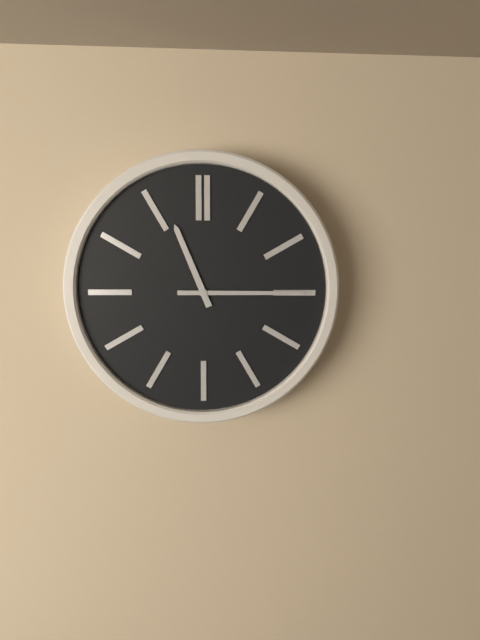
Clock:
11:15
